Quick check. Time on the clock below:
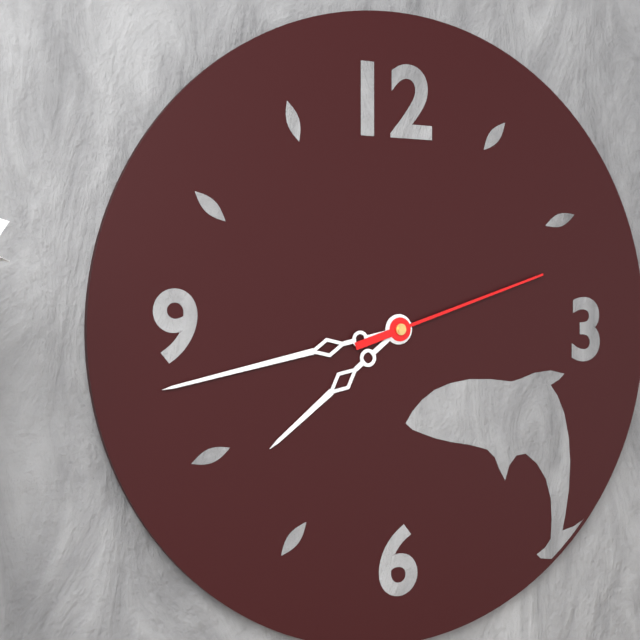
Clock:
7:43:12
